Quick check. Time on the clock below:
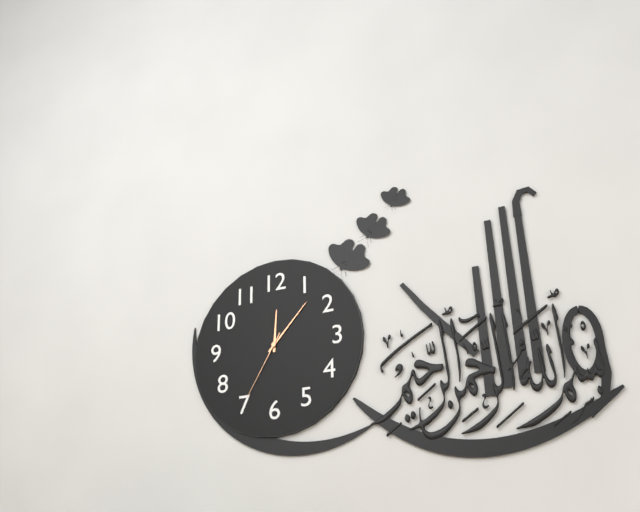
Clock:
12:07:35
